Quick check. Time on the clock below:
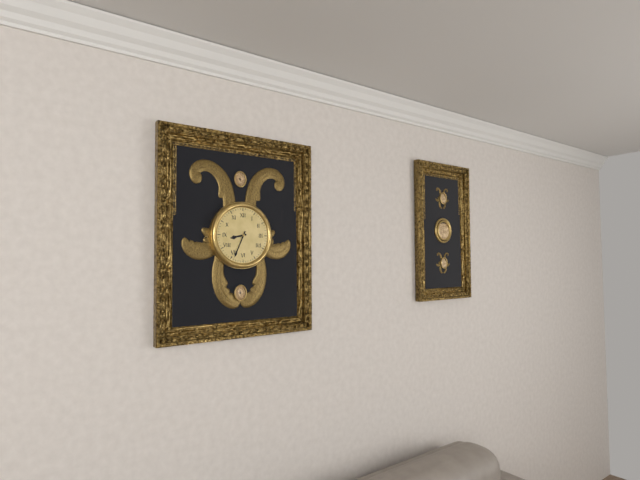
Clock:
8:34
